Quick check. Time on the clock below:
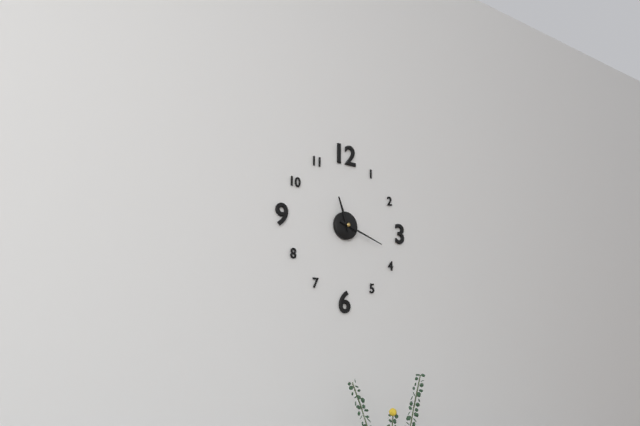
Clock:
11:18
